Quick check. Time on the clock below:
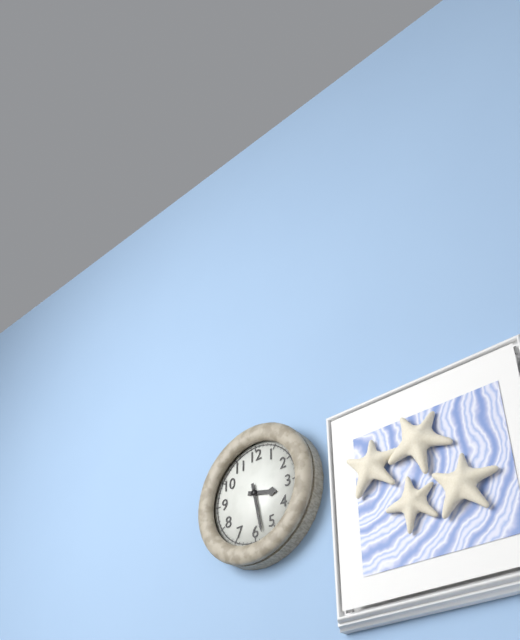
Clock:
3:28
